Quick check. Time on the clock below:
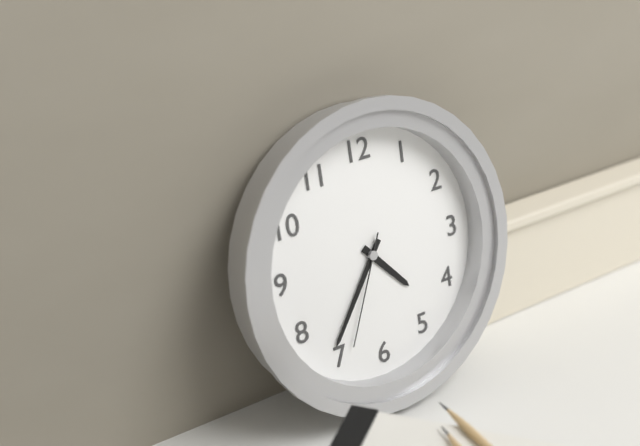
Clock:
4:36:34
